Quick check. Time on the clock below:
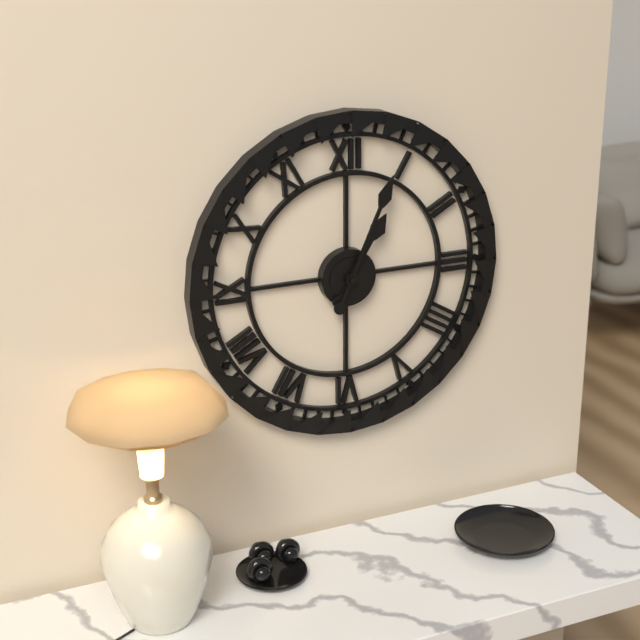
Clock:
1:04
